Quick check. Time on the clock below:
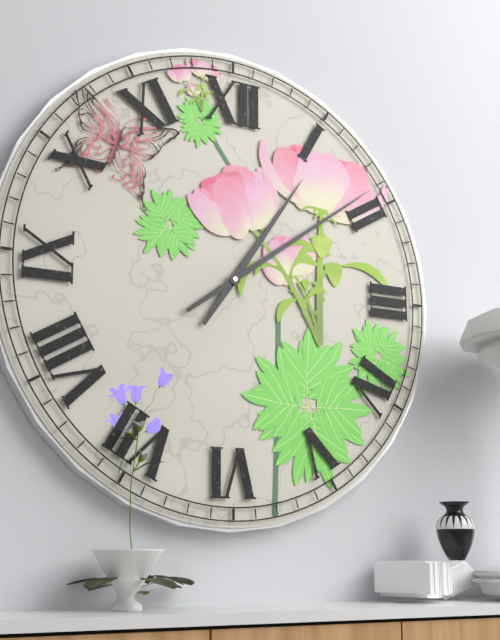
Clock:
1:09
